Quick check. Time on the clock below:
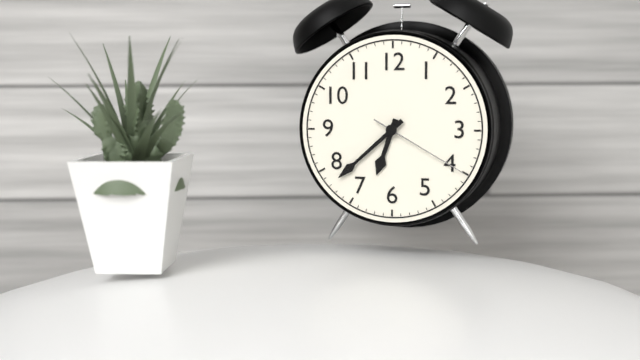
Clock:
6:38:20
